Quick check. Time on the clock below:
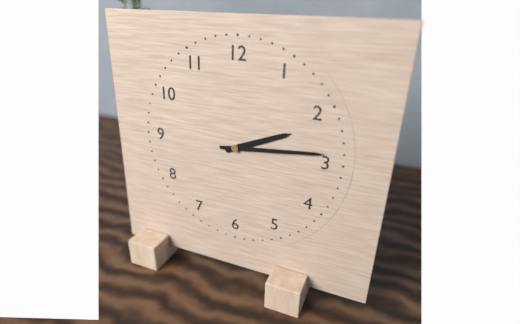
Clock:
2:14
